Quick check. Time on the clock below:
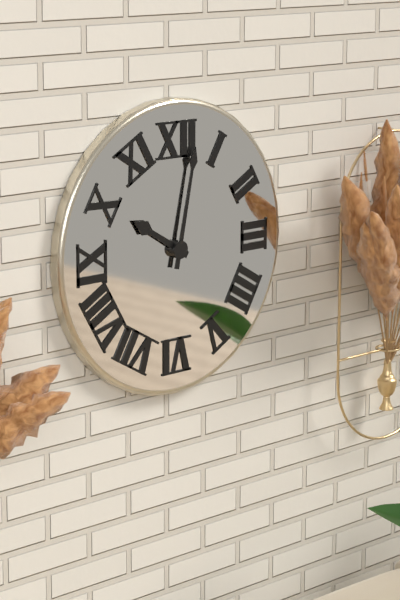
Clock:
10:02
